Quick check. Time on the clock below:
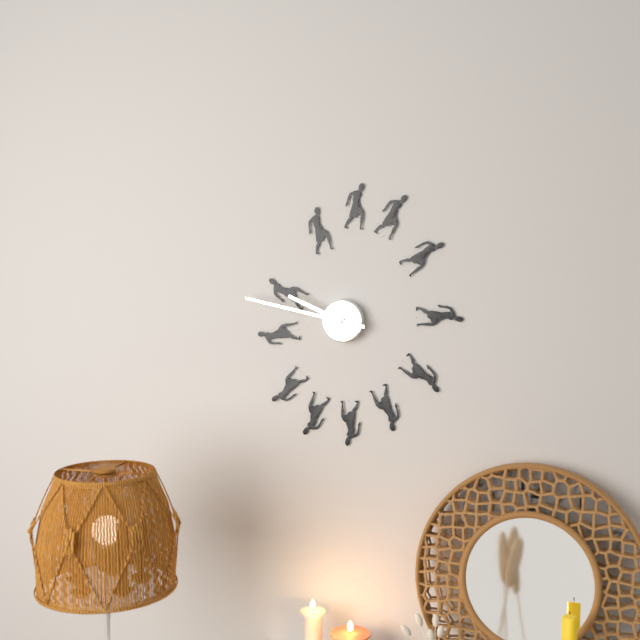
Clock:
9:47
